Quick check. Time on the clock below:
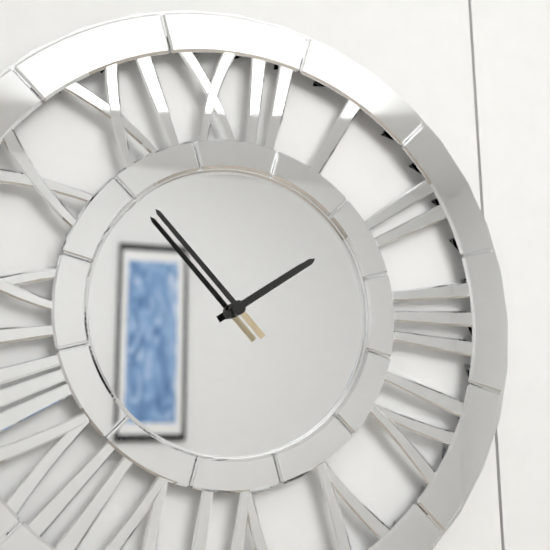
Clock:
1:53
